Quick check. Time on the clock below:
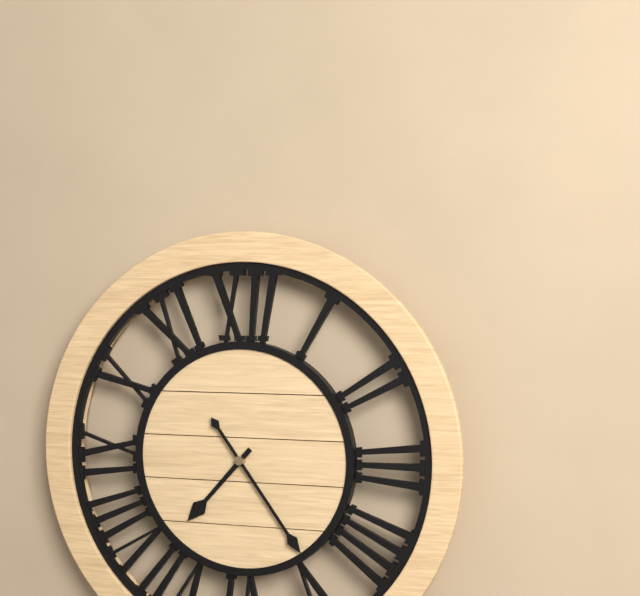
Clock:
7:24
